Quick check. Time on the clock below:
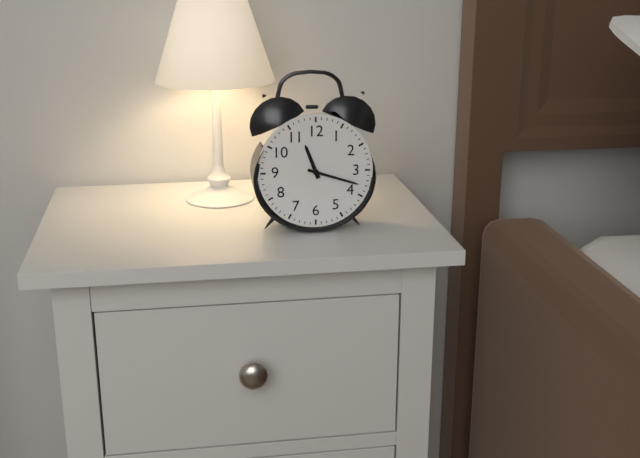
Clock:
11:18
